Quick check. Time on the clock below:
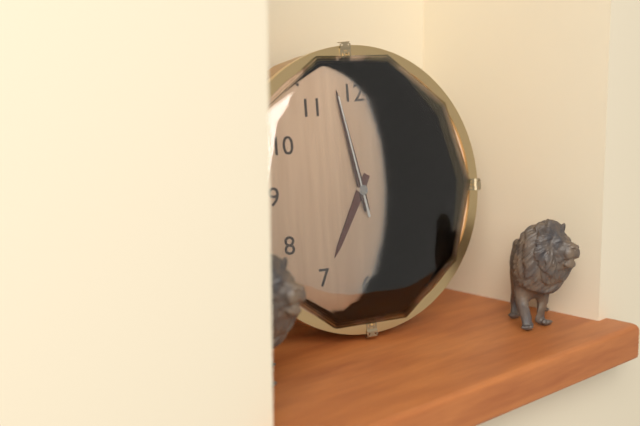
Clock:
6:58:58
